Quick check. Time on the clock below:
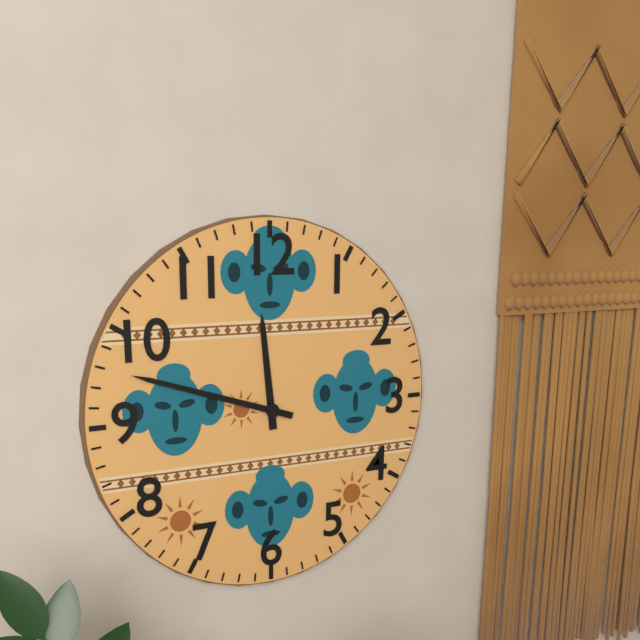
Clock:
11:48
